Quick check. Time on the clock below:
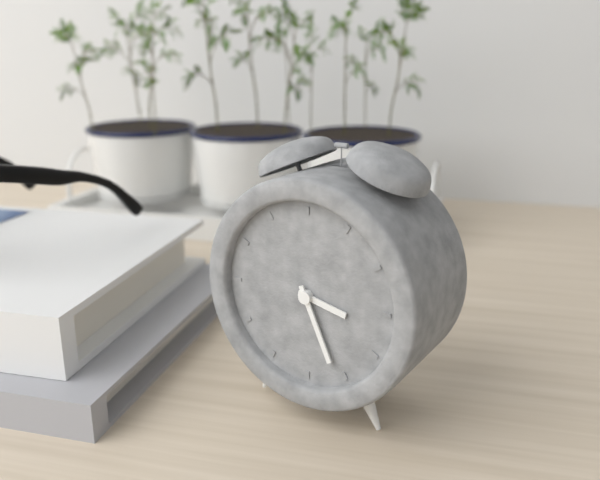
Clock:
3:26
